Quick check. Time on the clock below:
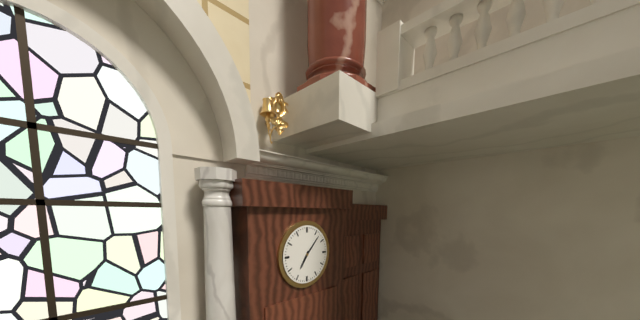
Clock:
7:07
